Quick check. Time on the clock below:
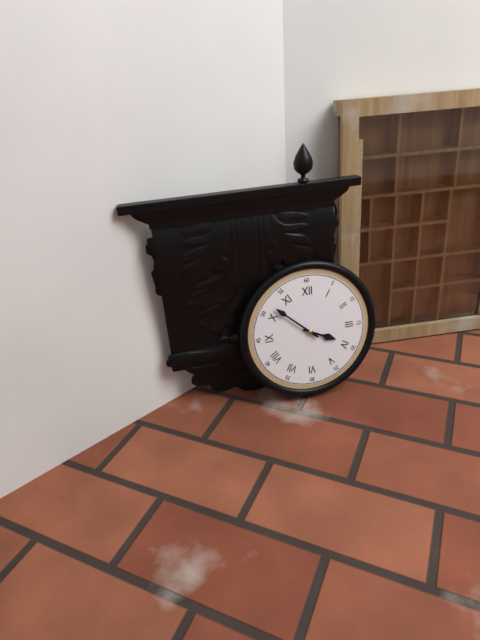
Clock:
3:52
